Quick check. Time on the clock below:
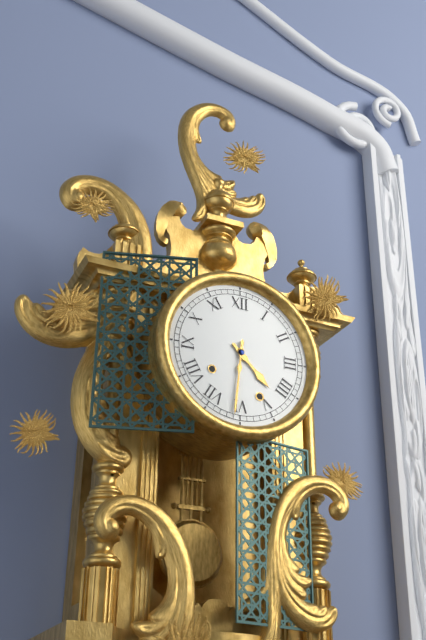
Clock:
4:31
